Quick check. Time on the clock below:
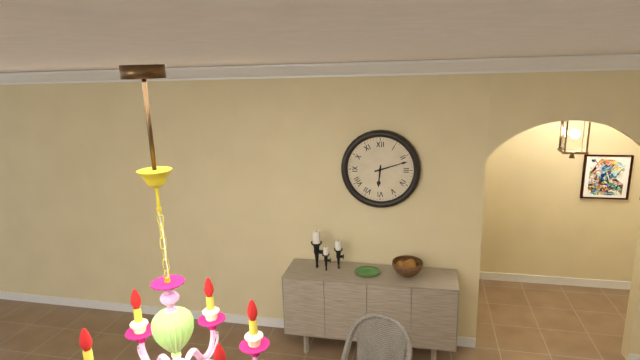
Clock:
6:12
